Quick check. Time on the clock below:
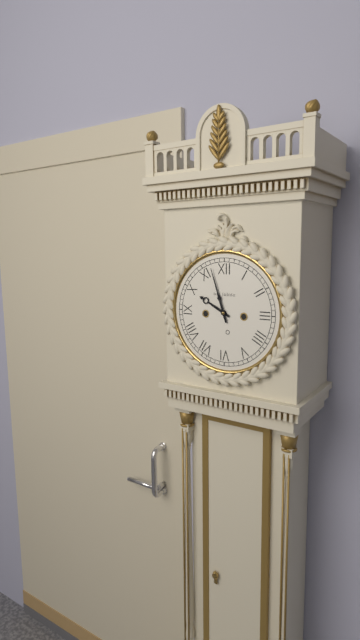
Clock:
9:57
